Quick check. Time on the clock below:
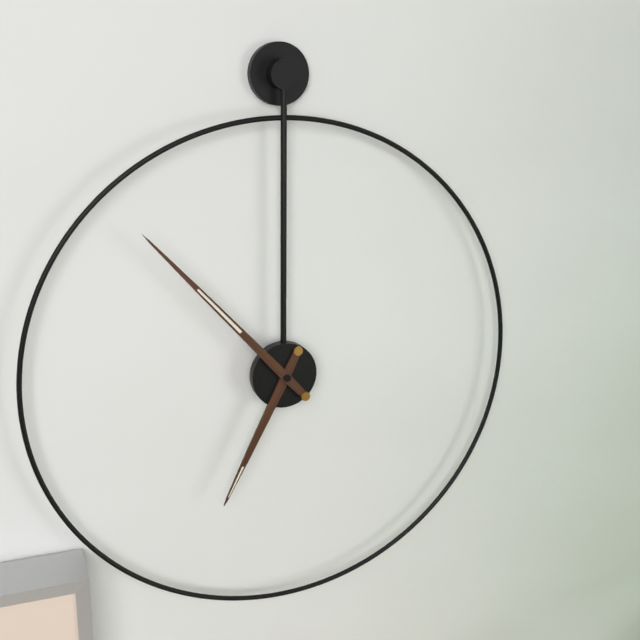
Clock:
6:53
